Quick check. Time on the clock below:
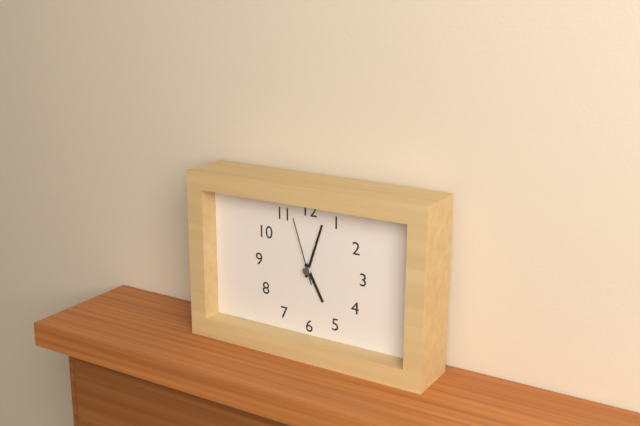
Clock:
5:03:57
